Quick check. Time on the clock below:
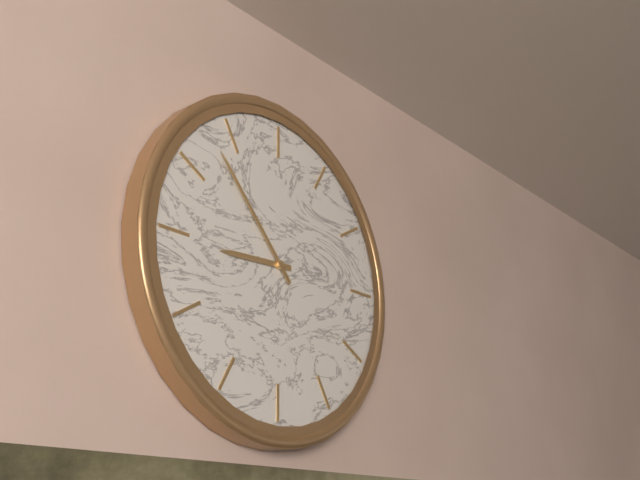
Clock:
8:53
